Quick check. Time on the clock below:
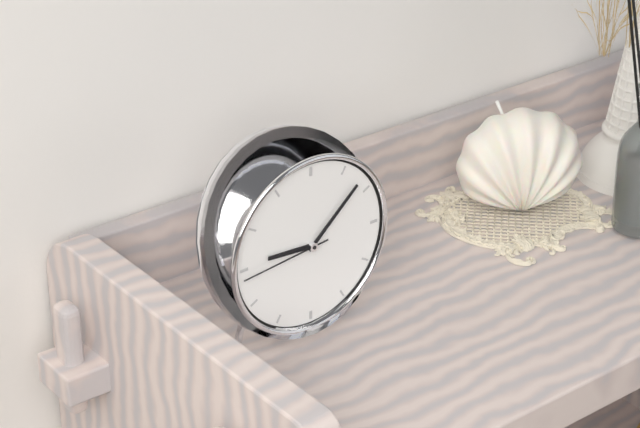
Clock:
9:08:44
